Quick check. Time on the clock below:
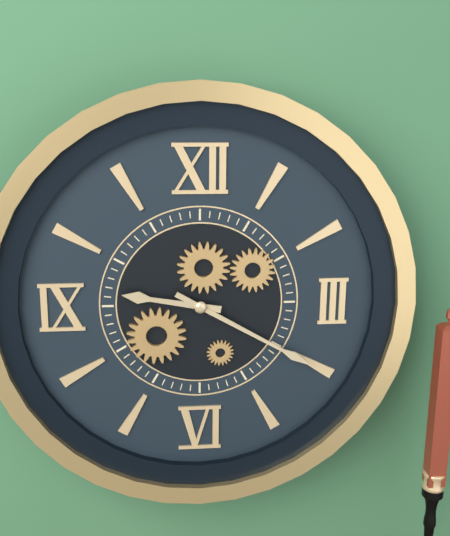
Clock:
9:20
